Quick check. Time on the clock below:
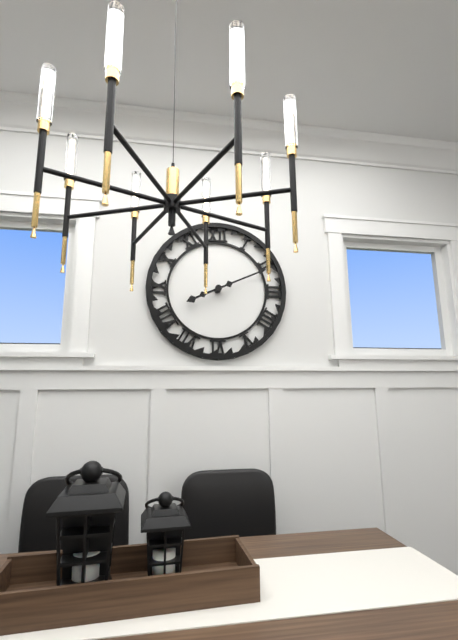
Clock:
8:11
